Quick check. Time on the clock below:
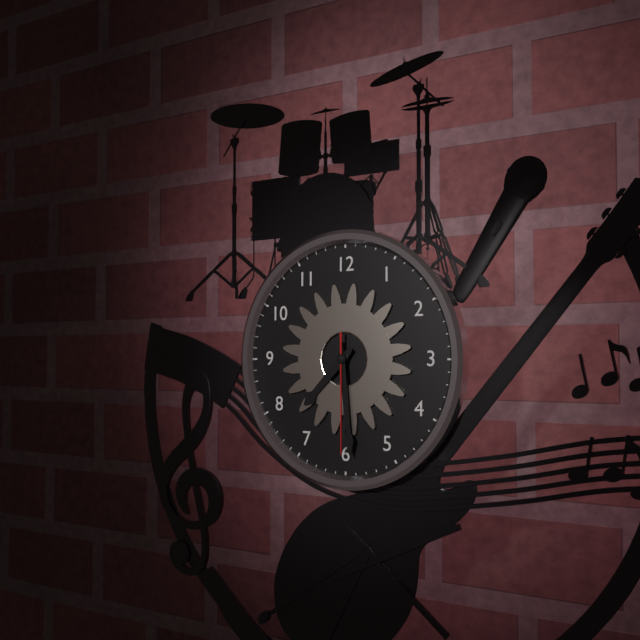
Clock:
7:29:30
